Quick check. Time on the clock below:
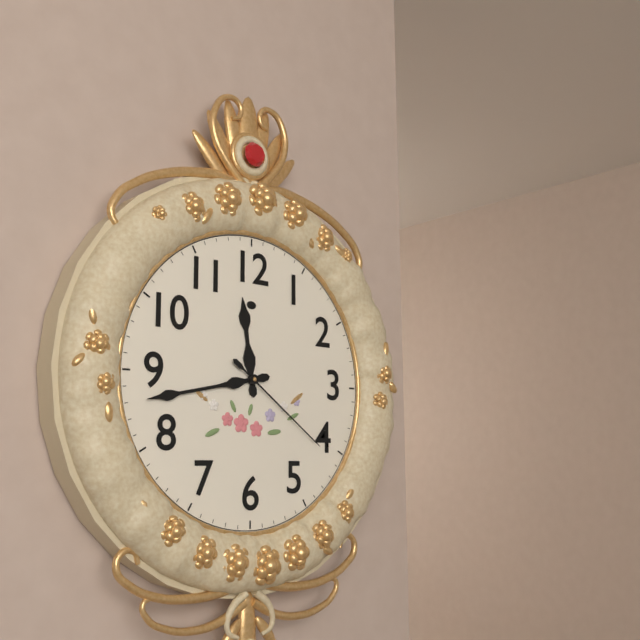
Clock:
11:43:21
